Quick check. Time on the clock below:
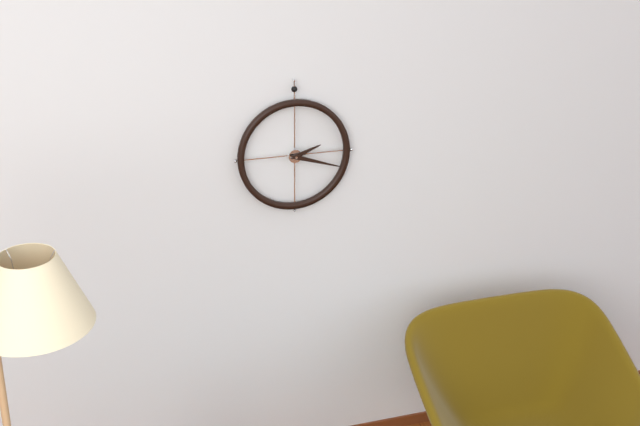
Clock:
2:18
